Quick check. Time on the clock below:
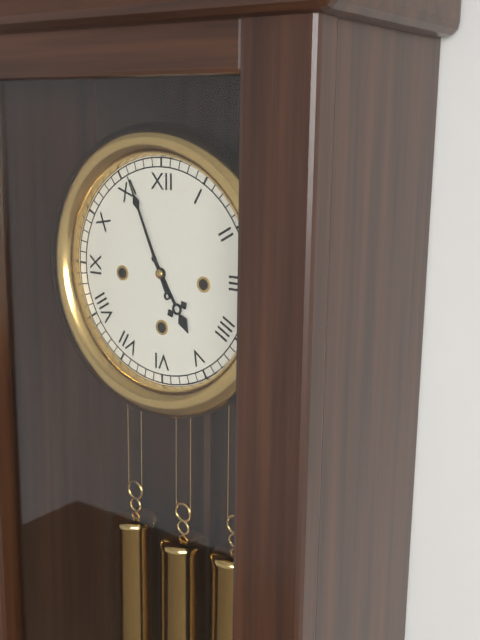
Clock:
4:56
